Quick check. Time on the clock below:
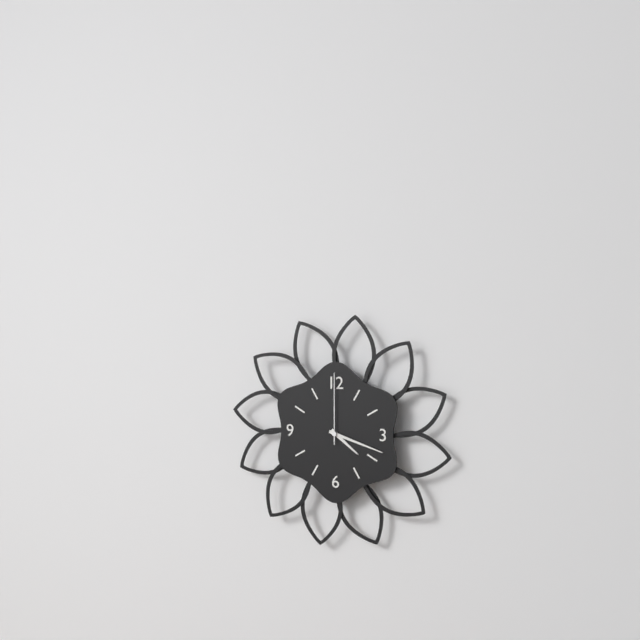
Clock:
4:18:00
